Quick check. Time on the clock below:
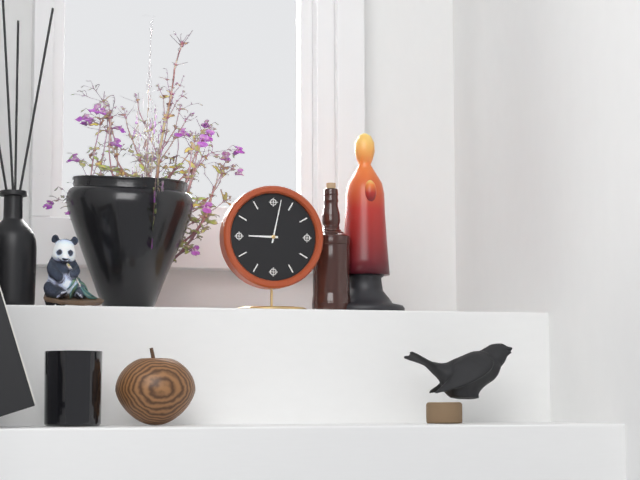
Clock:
9:02
